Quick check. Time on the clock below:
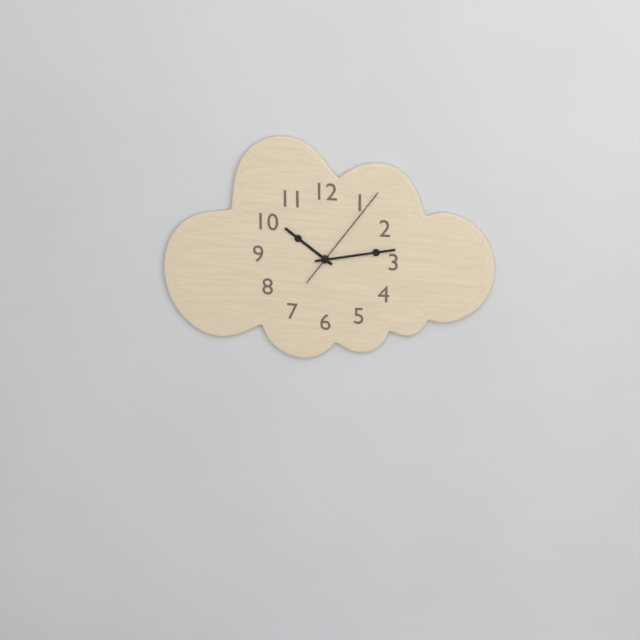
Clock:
10:13:06
